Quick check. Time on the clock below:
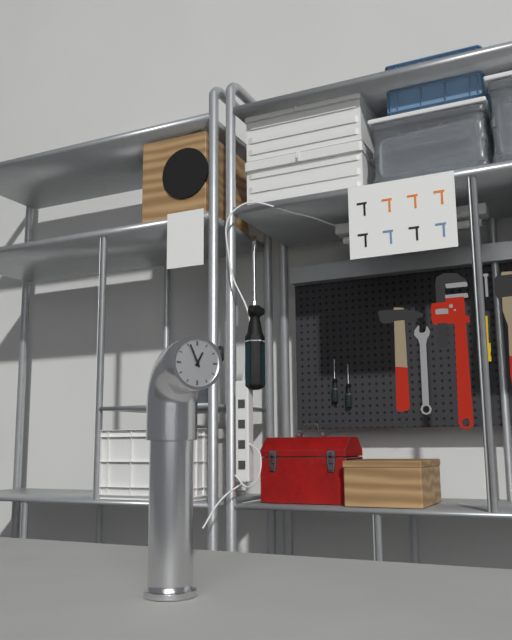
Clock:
12:56
